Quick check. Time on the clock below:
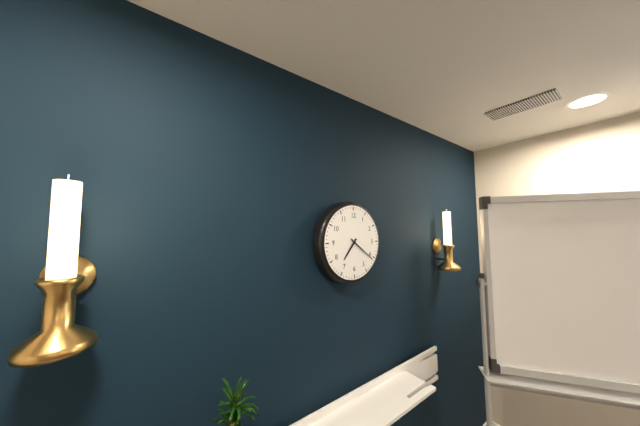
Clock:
7:21
